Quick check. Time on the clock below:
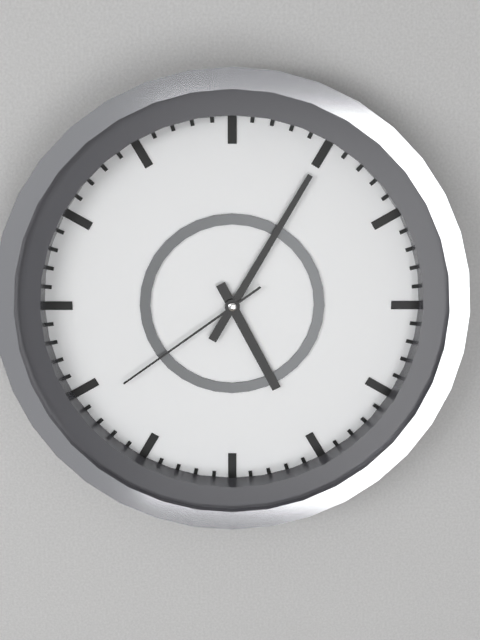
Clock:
5:05:39
